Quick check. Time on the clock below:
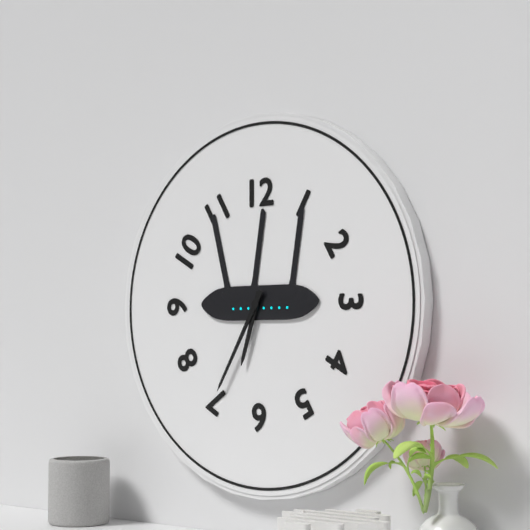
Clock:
6:35
